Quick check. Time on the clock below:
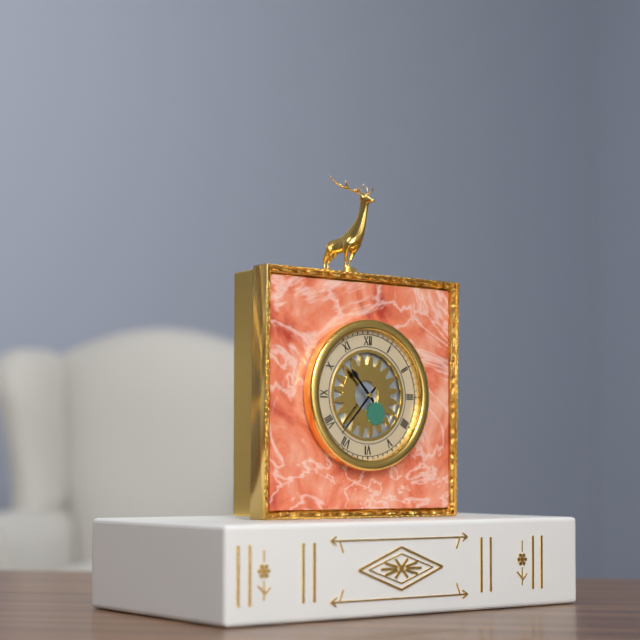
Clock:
10:37
